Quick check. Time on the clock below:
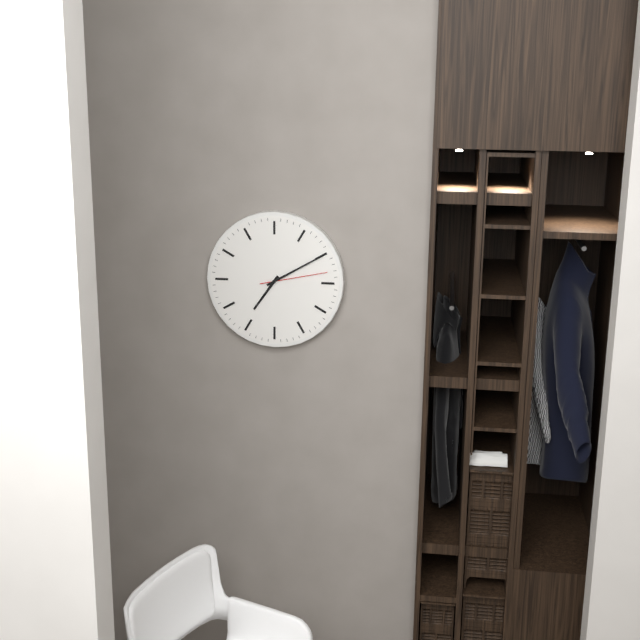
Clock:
7:10:13
